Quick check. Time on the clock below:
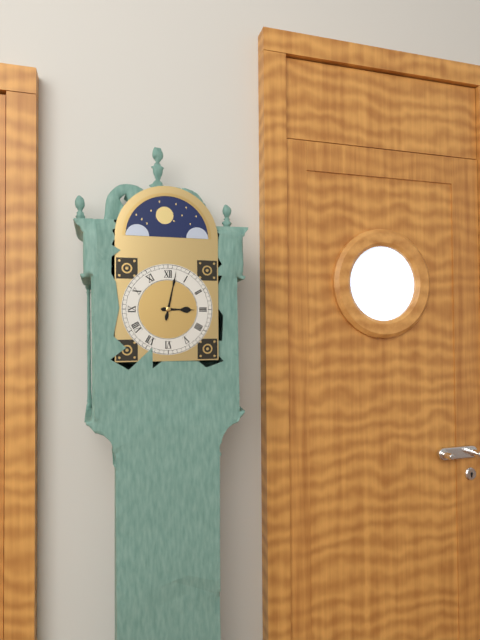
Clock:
3:02
